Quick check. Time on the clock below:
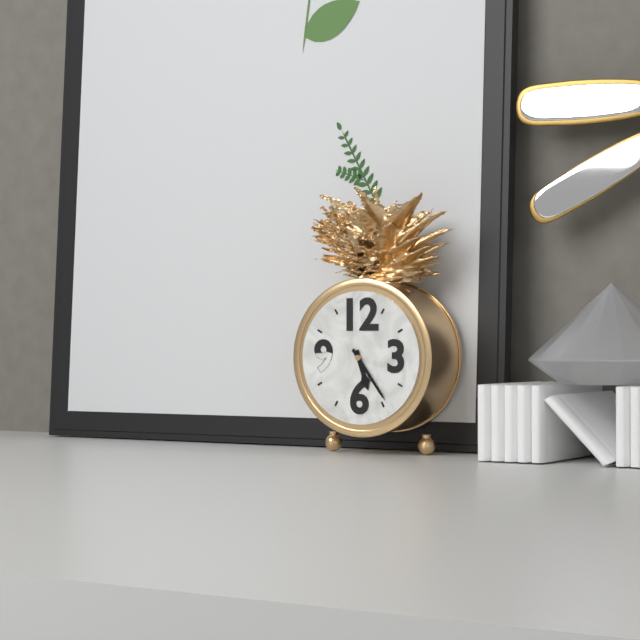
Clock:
5:24
